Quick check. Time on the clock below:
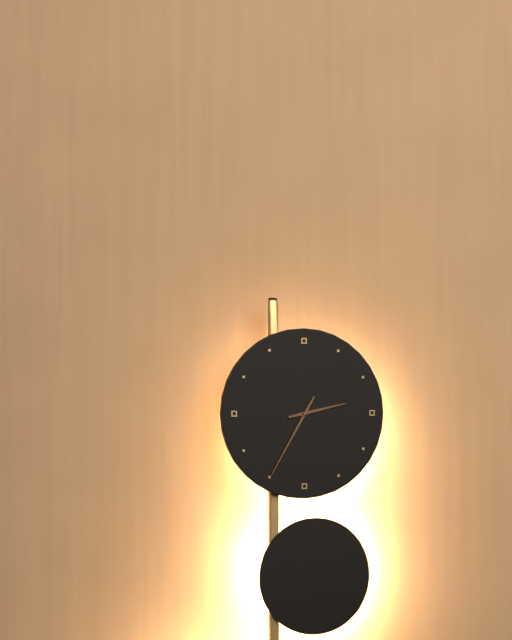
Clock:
2:35
